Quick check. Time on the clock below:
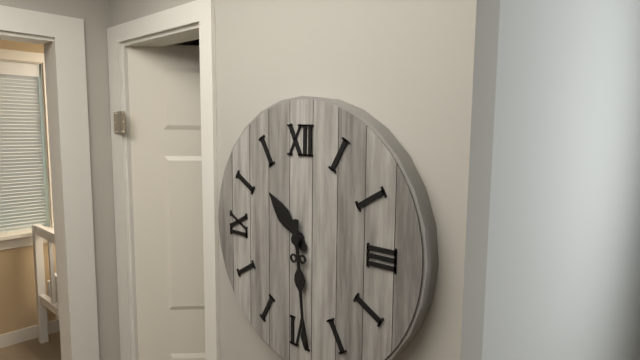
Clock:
10:29
